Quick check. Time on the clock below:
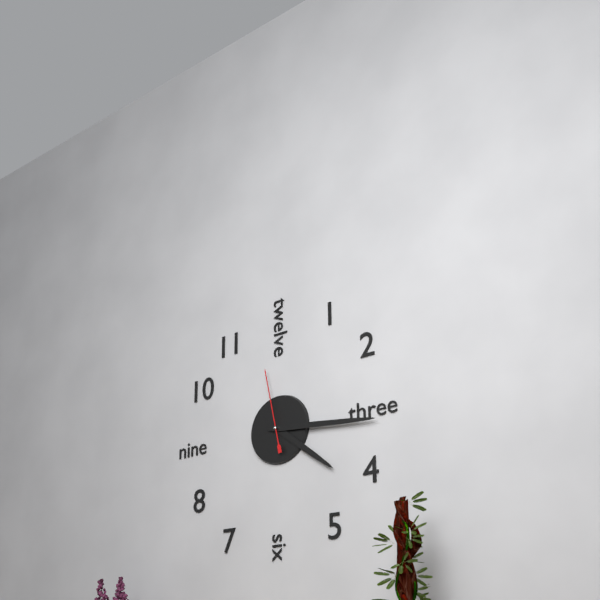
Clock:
4:16:58
